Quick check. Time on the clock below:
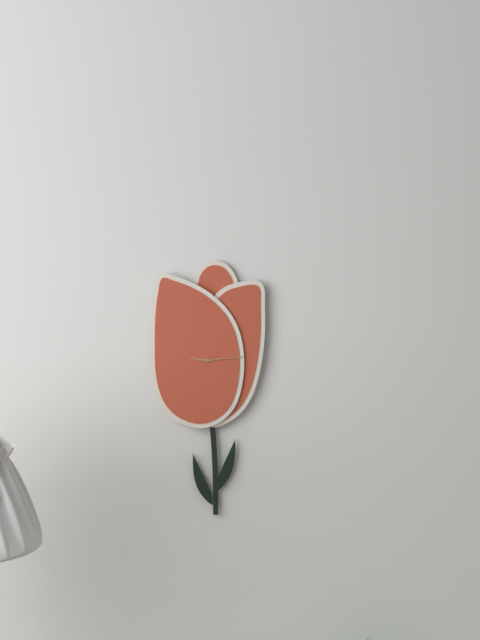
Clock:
9:14
